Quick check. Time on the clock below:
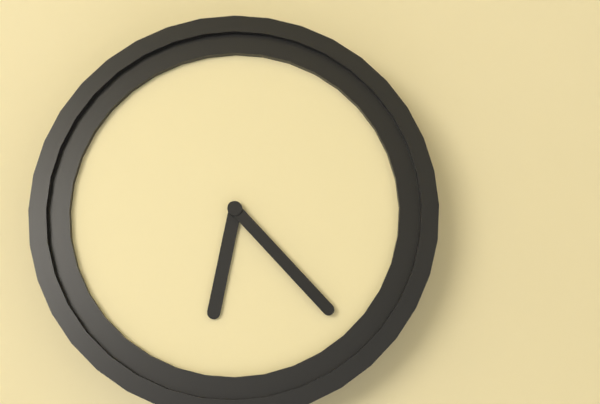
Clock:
6:23
